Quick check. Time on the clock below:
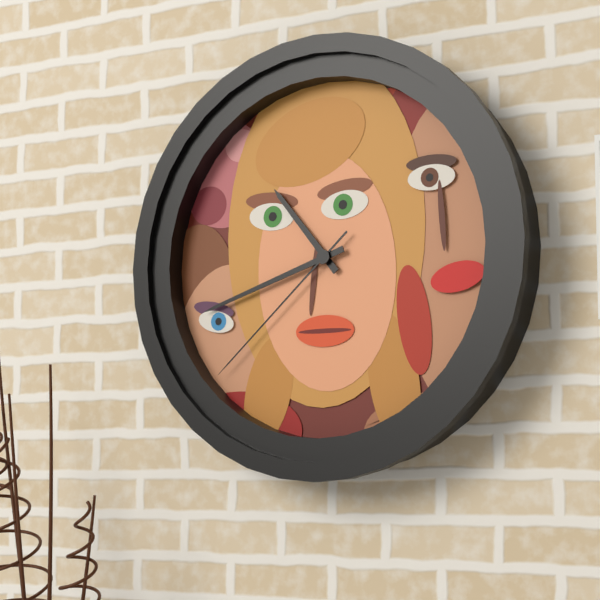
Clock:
10:42:38
